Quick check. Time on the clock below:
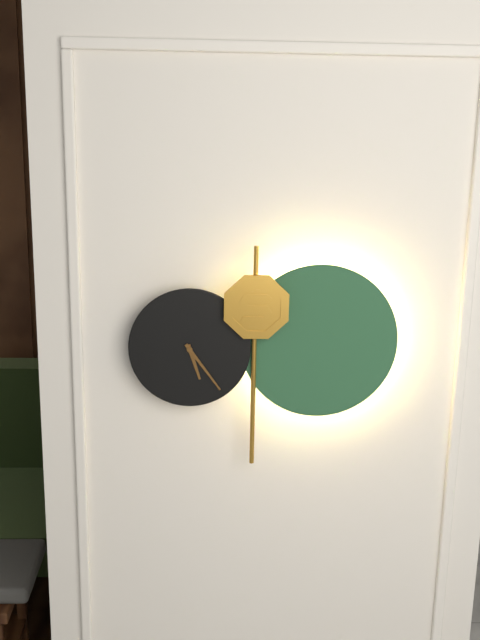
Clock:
5:24
